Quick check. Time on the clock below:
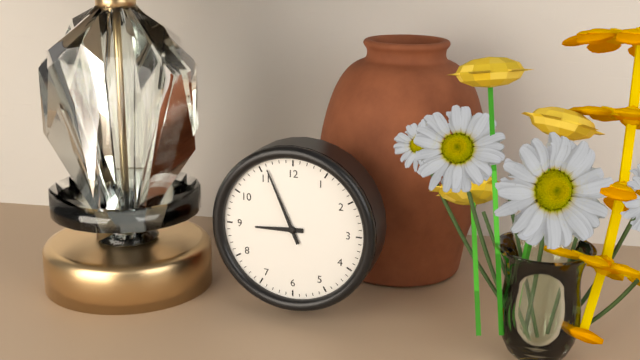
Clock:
8:56
